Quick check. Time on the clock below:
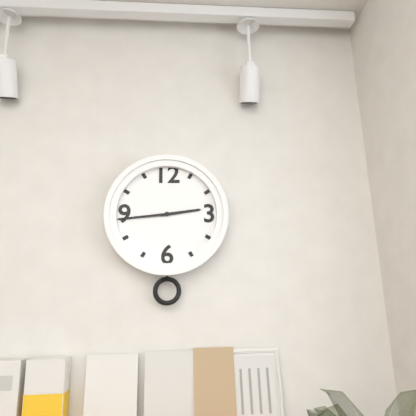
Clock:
2:44
